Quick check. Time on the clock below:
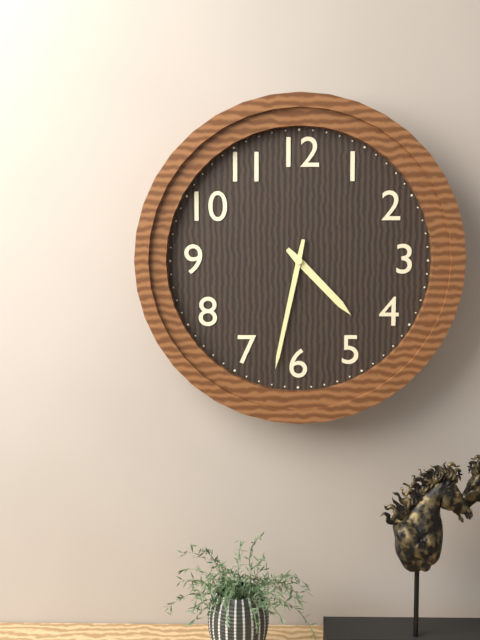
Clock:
4:32
